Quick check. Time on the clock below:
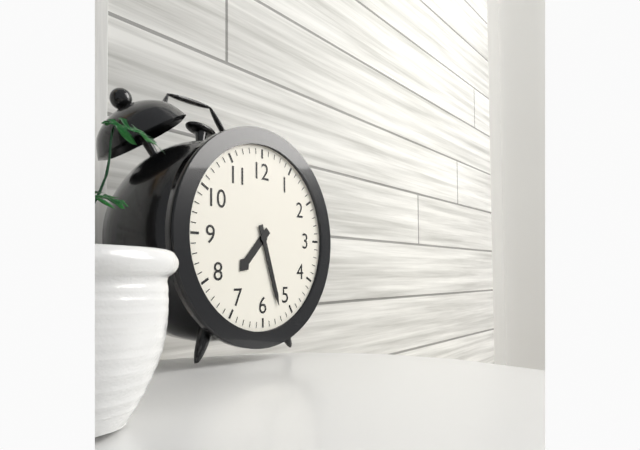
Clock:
7:27
